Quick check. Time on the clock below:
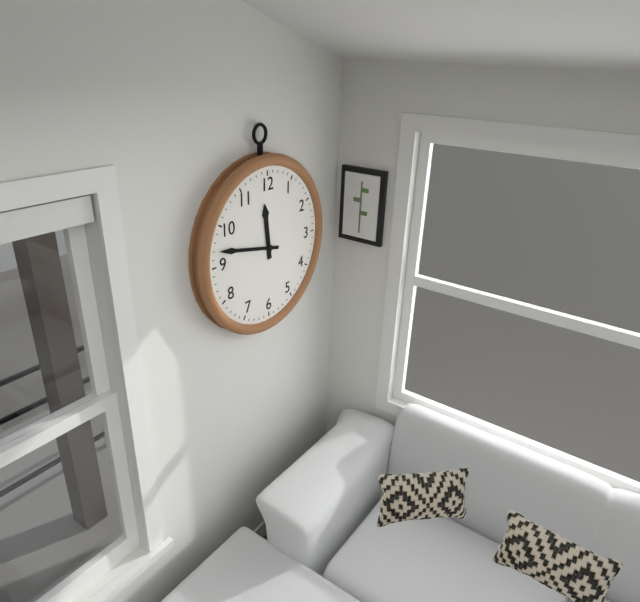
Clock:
11:47
